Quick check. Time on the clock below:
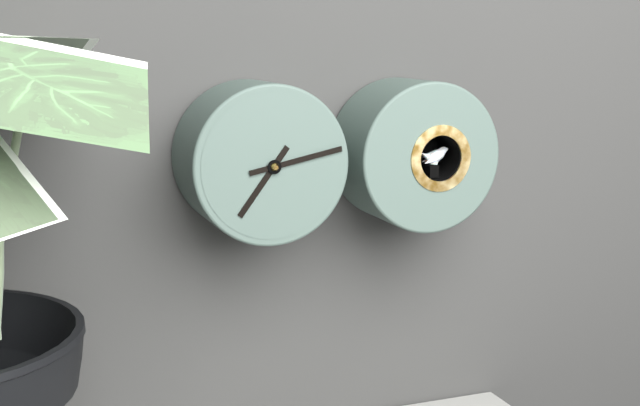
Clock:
7:13
